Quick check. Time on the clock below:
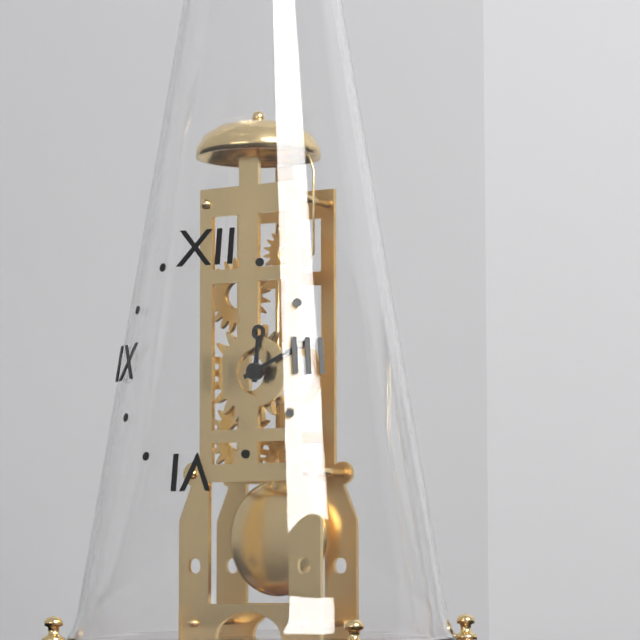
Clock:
12:11
